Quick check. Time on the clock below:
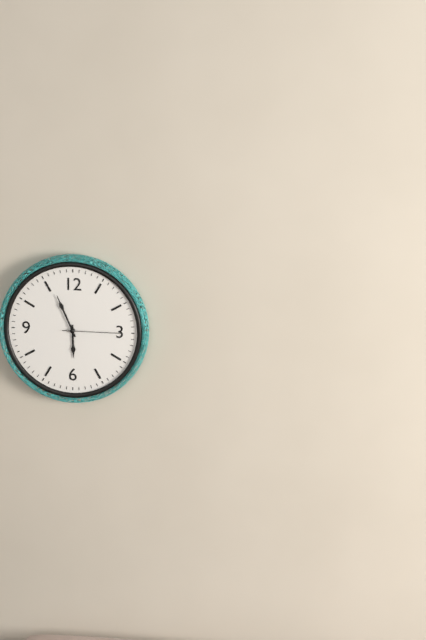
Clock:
5:56:15
